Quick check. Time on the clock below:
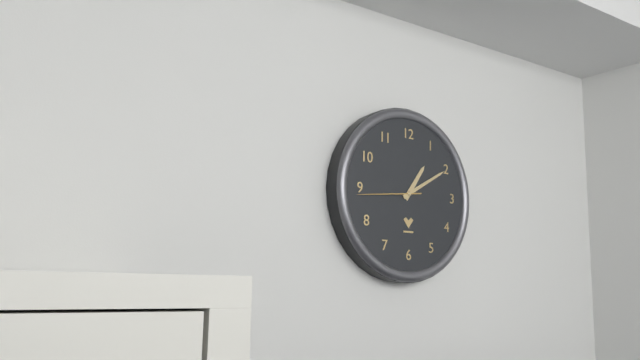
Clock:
1:10:44
